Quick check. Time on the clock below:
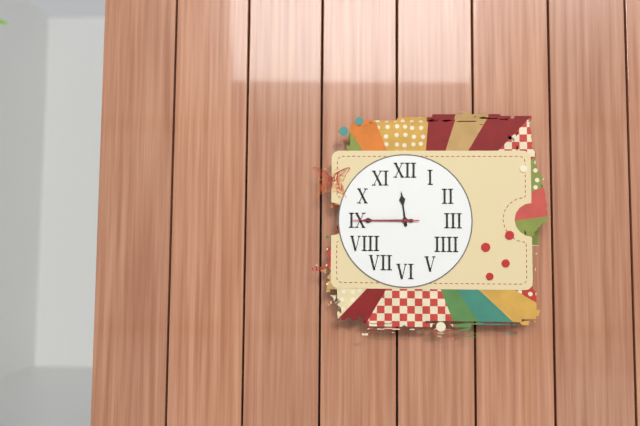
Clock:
11:45:45
